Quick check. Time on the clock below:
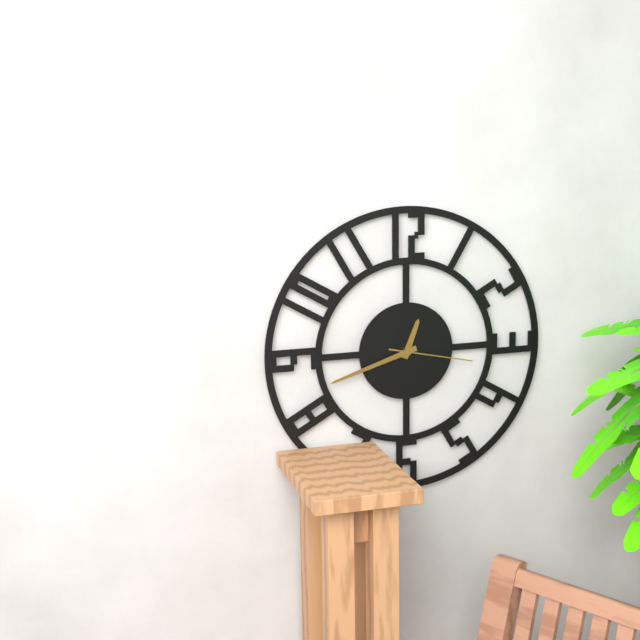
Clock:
12:42:17
